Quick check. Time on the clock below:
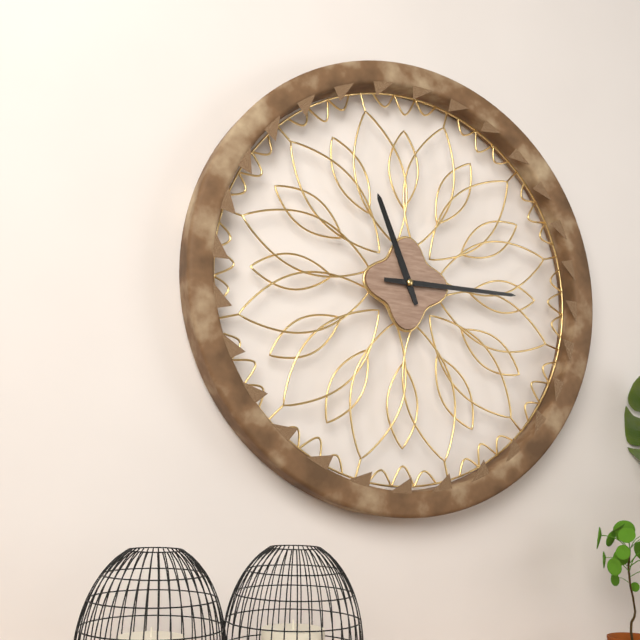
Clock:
11:15
